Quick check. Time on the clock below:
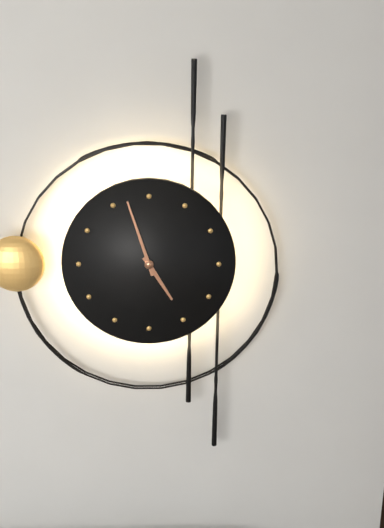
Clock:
4:57
